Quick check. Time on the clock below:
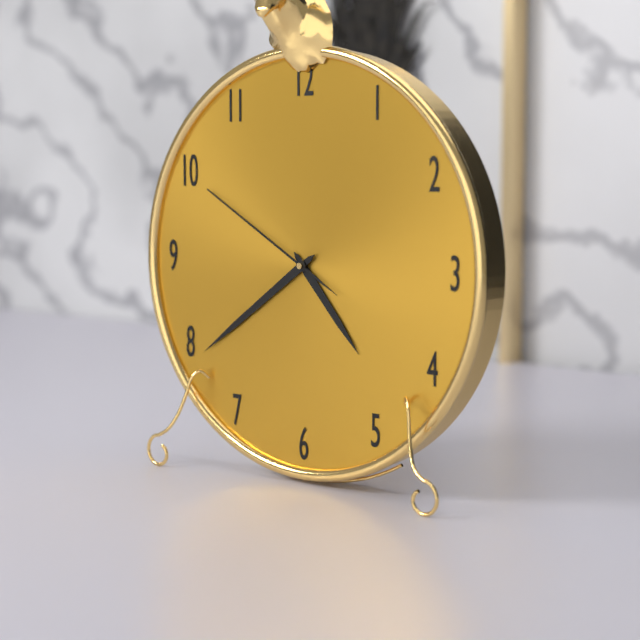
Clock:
4:39:50
